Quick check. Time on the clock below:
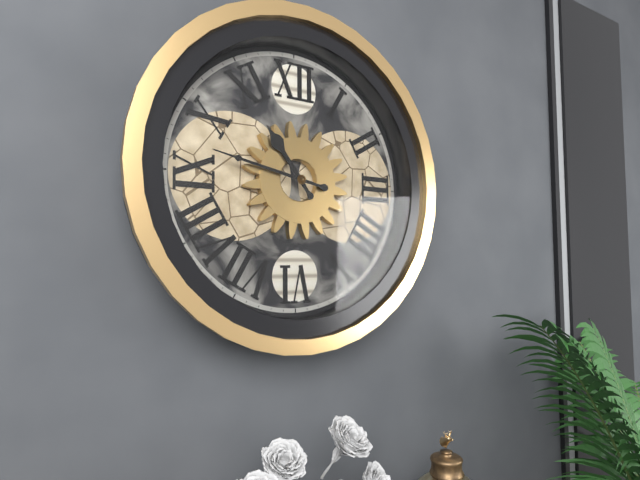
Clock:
10:47
